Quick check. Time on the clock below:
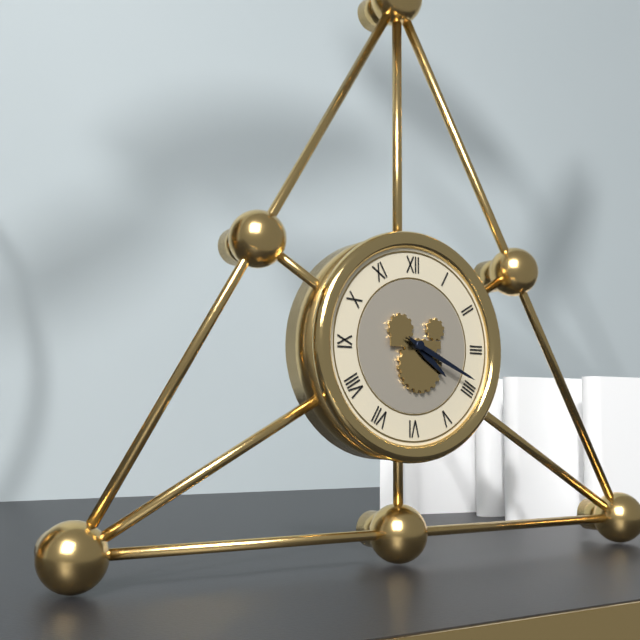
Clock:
4:19
